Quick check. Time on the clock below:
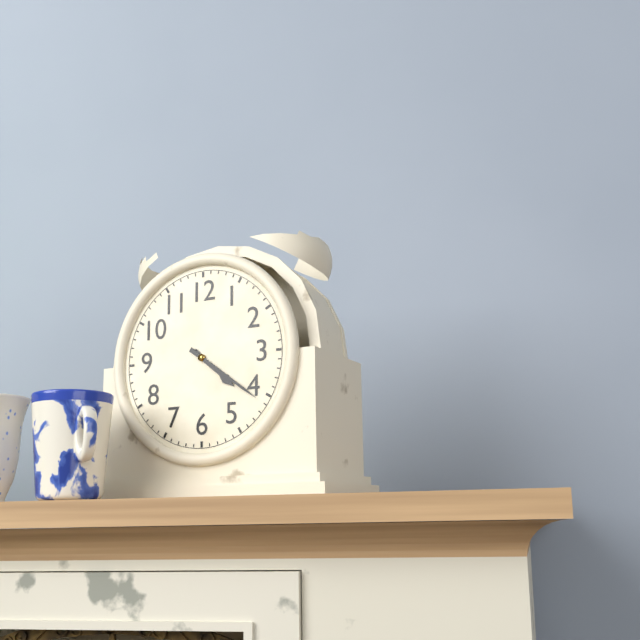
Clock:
4:21
